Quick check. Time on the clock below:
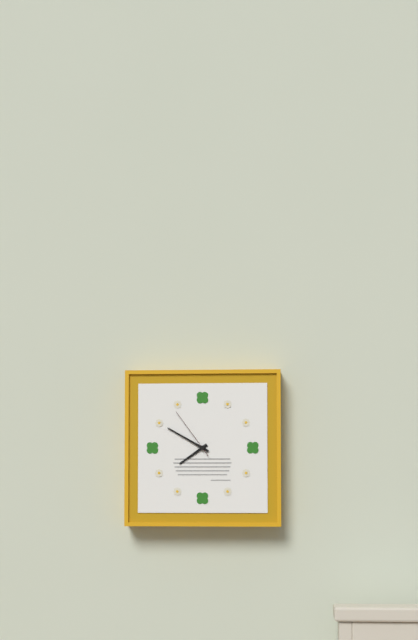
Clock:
7:50:54
